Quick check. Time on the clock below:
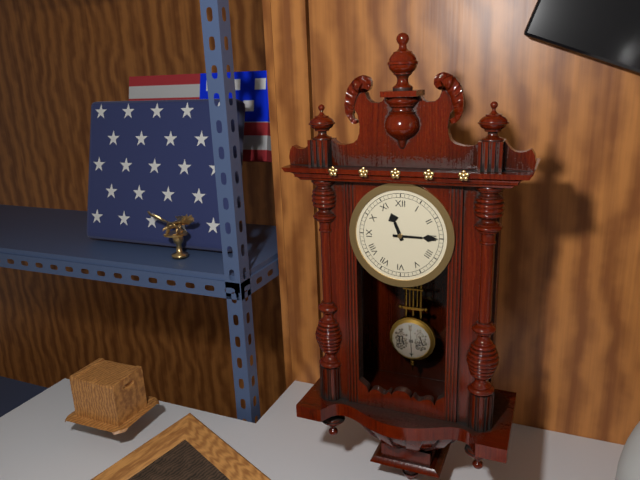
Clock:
11:15
